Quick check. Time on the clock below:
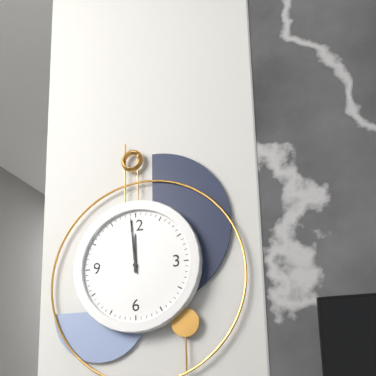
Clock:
11:59
